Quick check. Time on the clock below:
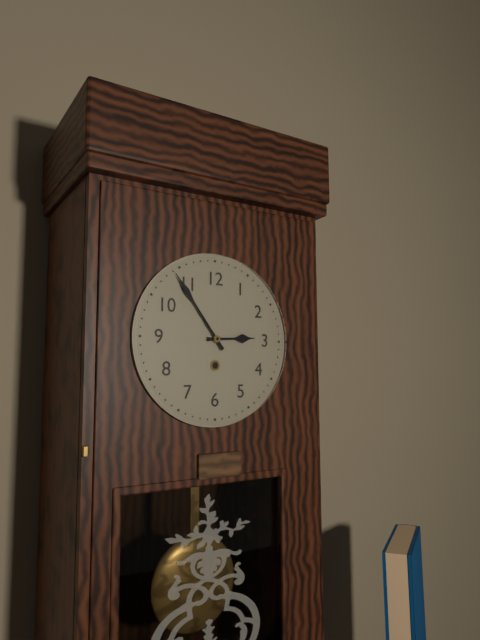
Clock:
2:54
